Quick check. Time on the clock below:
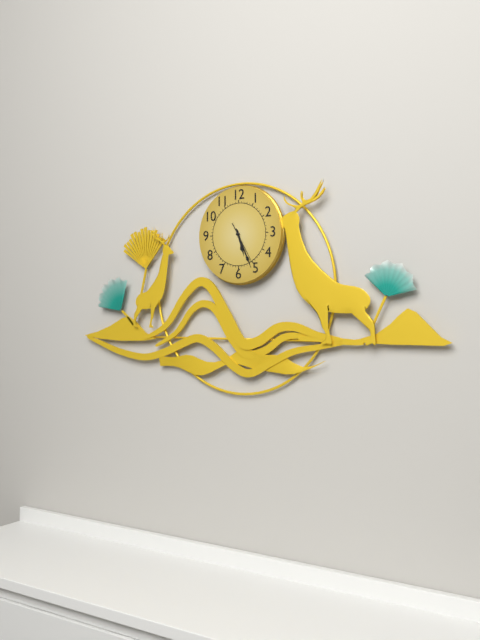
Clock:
5:26
